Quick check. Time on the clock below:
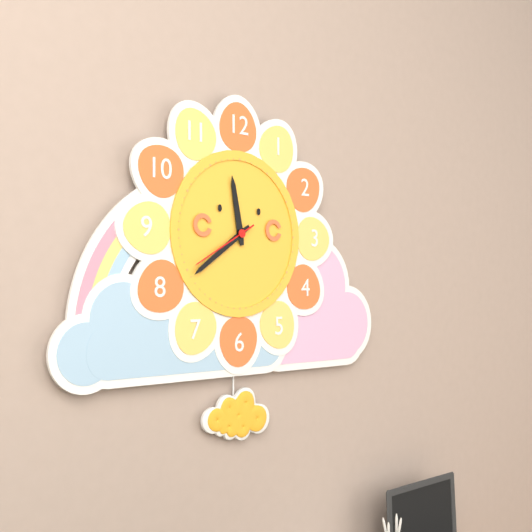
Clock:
11:39:40
